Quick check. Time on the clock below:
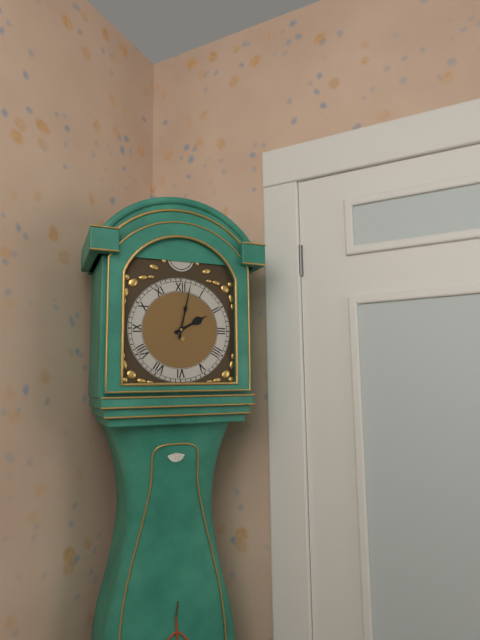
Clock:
2:02
